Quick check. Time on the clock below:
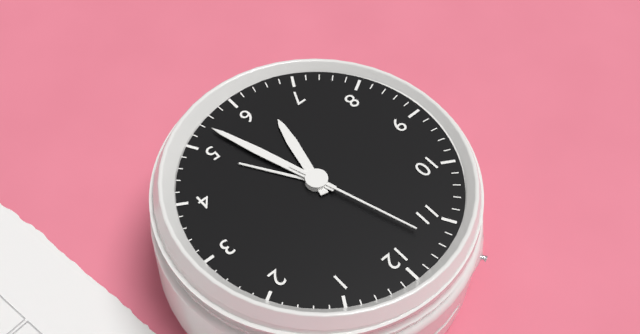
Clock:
6:27:57
